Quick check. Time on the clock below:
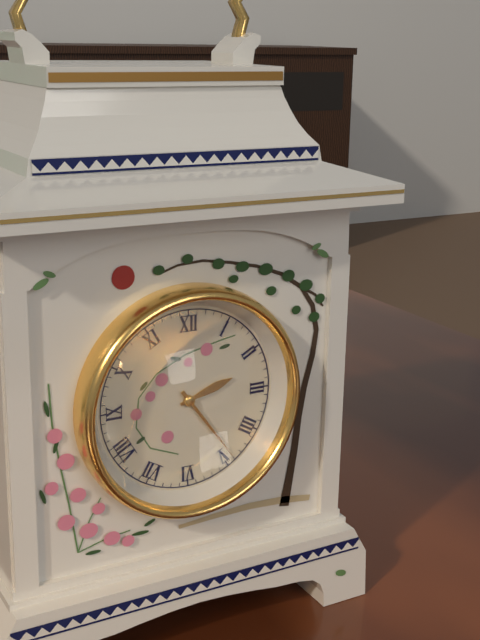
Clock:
2:24
